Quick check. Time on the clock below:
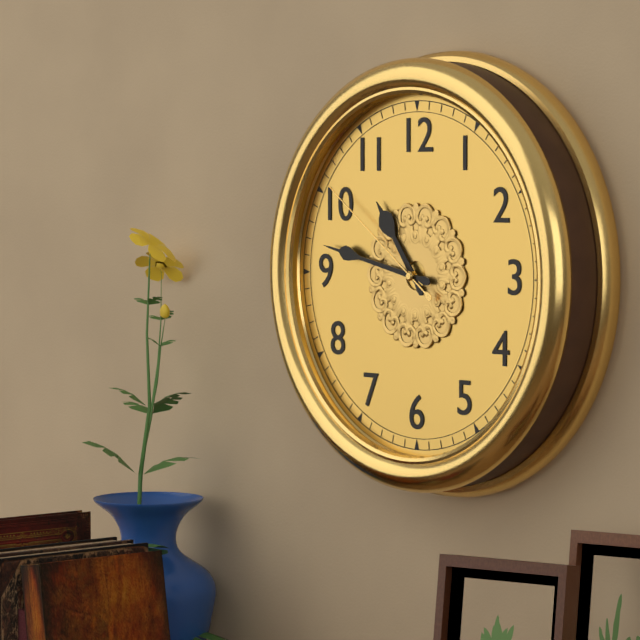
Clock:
10:47:51
